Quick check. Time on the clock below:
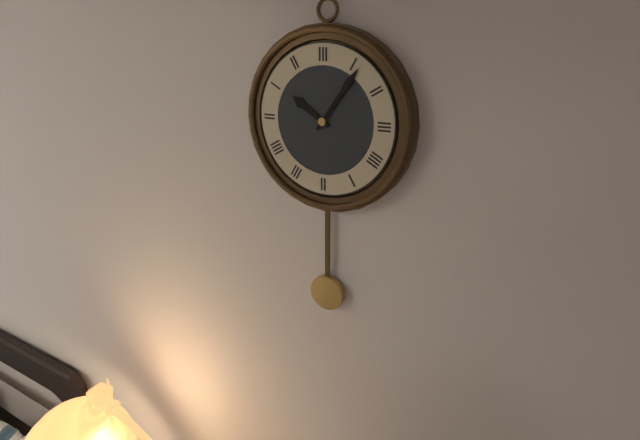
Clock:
10:06
